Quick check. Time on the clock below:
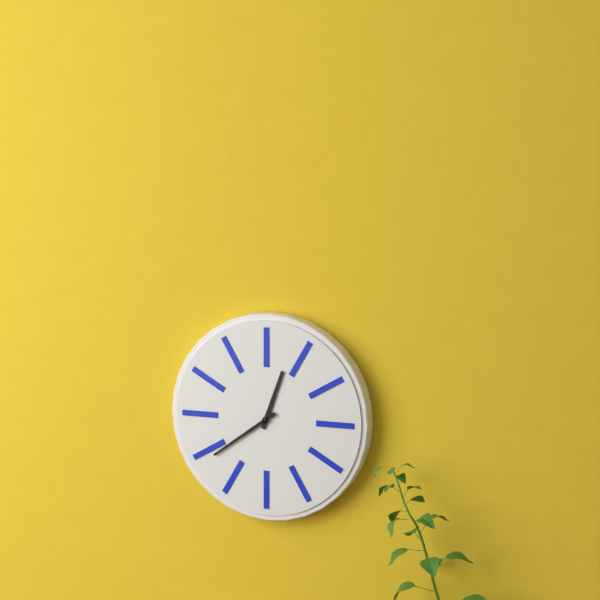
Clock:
12:39
